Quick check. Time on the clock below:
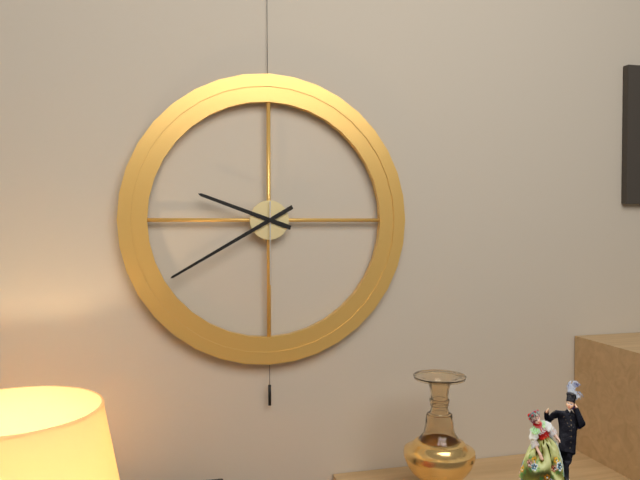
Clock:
9:40:30
